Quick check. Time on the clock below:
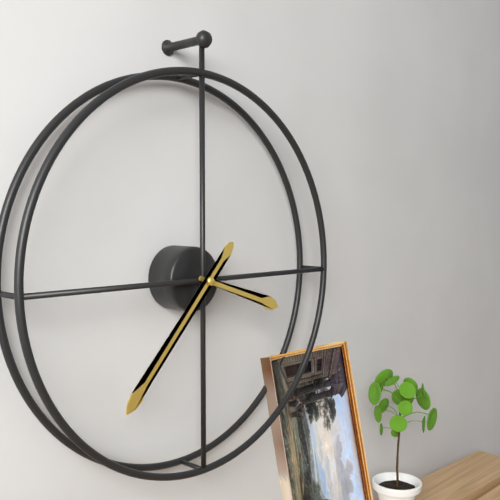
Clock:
3:37
